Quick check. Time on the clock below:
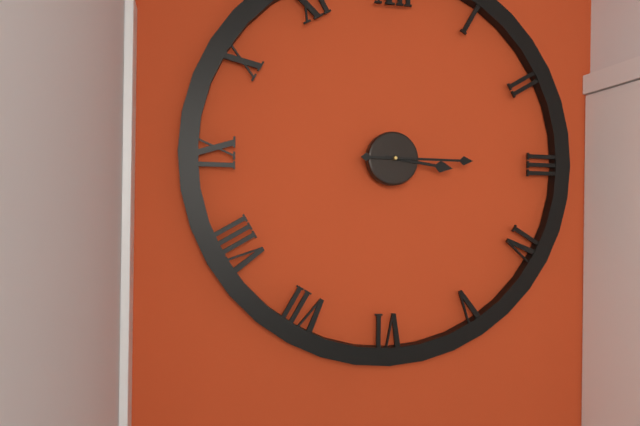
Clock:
3:15
